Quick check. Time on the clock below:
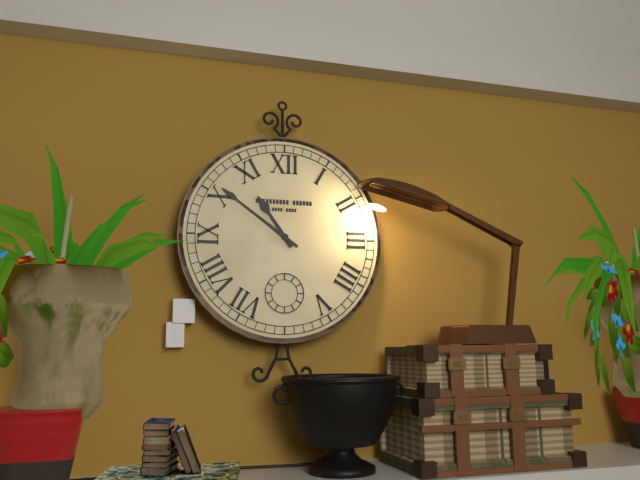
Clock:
10:51
